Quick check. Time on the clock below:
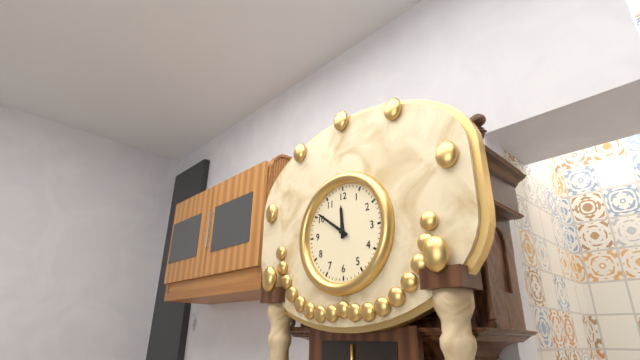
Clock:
11:51
